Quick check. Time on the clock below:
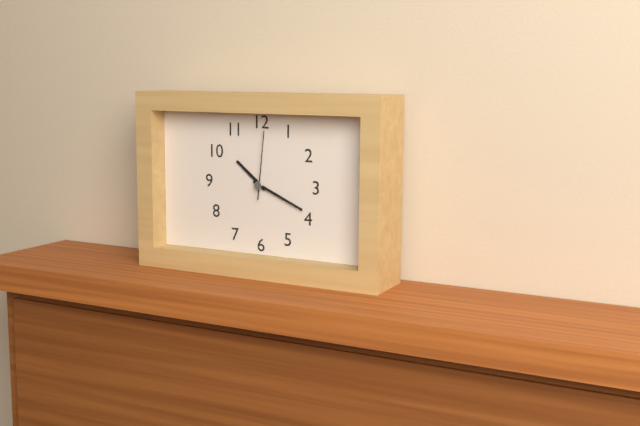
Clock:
10:19:01
